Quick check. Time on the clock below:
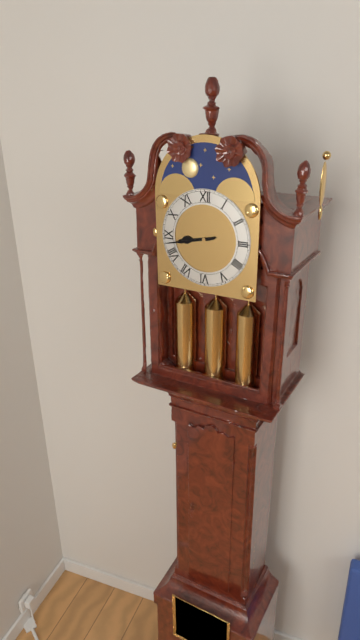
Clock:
8:43
